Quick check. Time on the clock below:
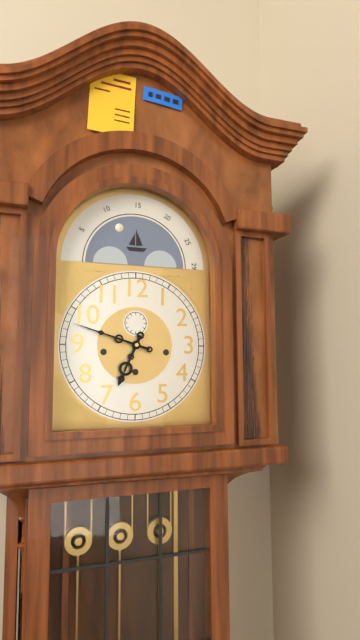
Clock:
6:48
